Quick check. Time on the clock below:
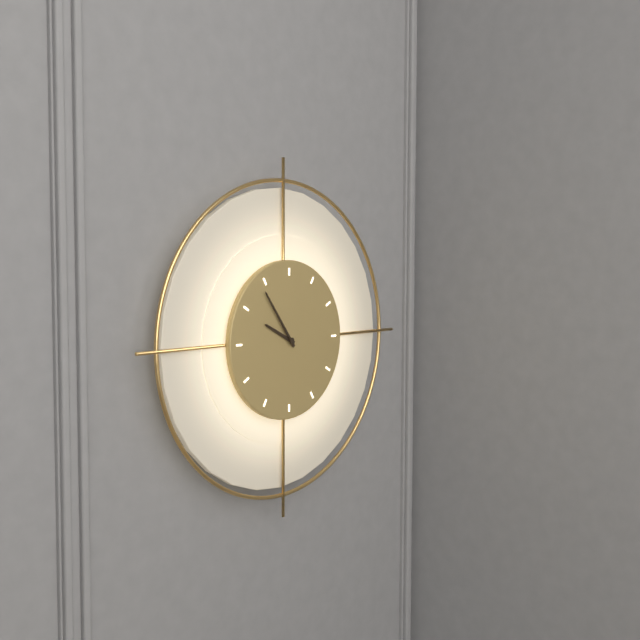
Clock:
9:54
